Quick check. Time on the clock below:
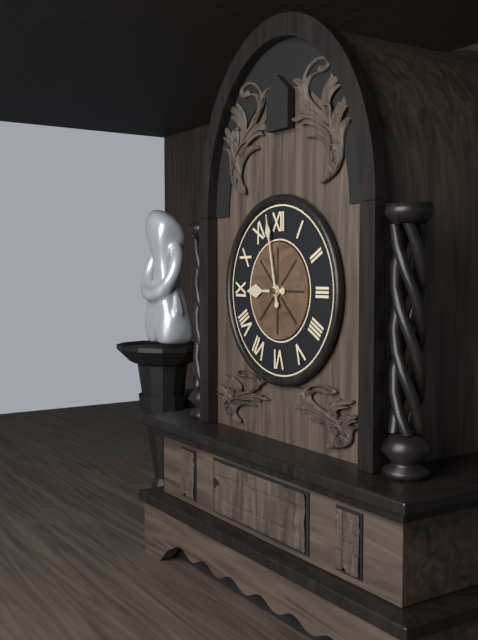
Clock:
8:58
